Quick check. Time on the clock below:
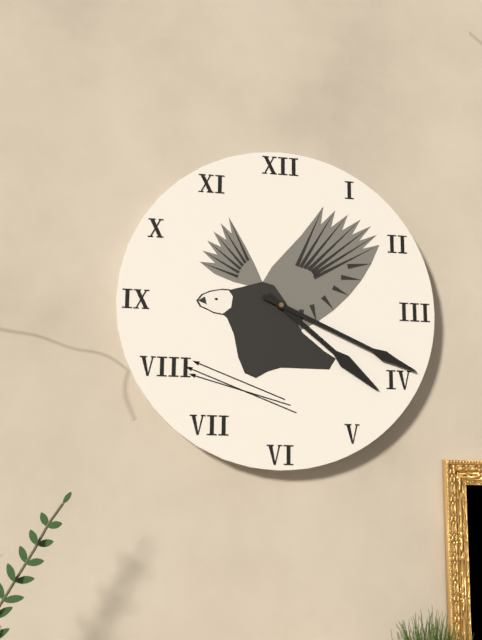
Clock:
4:19
